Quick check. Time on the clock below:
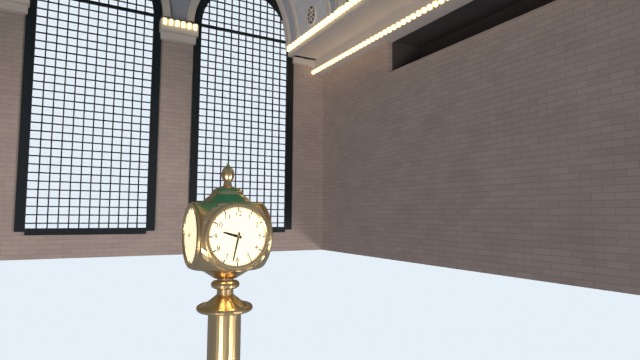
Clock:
9:32
